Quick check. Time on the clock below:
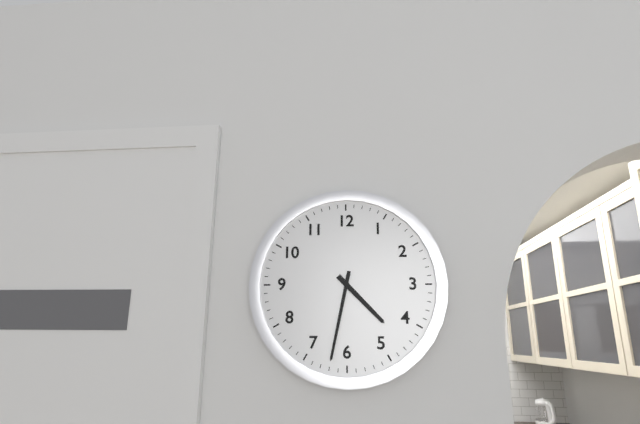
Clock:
4:32
